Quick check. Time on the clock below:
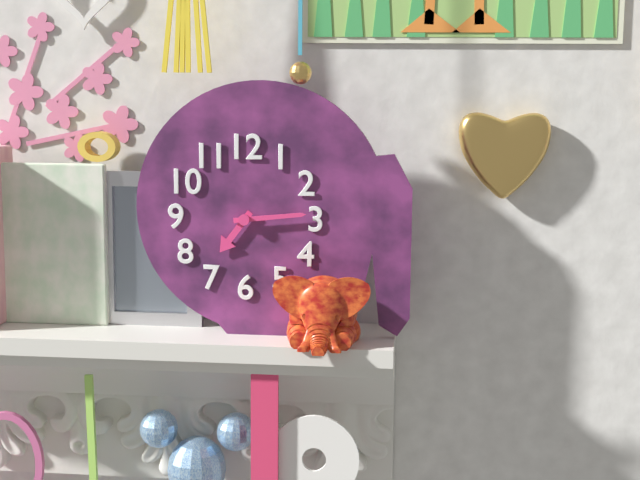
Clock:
7:14
